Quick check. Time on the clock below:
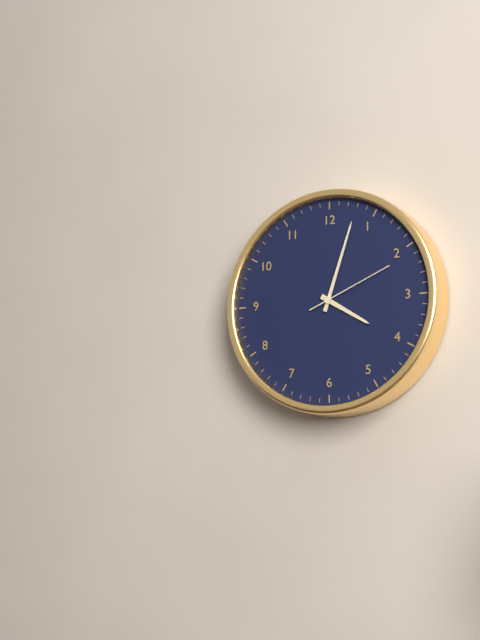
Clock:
4:03:11
